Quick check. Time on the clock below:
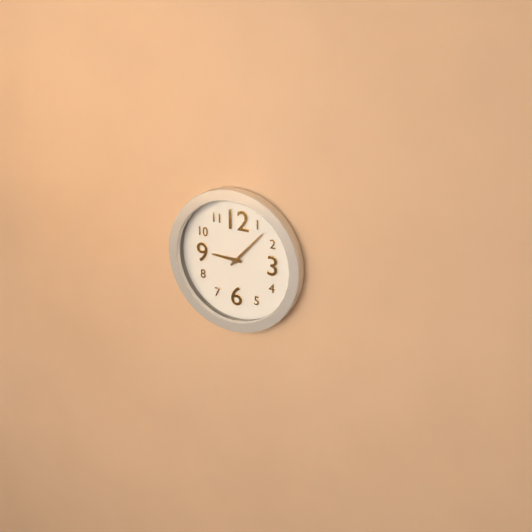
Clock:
9:07
